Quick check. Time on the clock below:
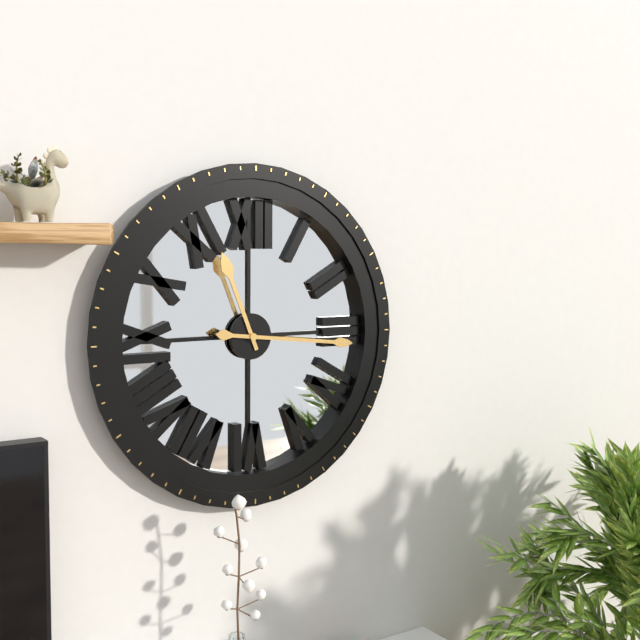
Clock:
11:16
